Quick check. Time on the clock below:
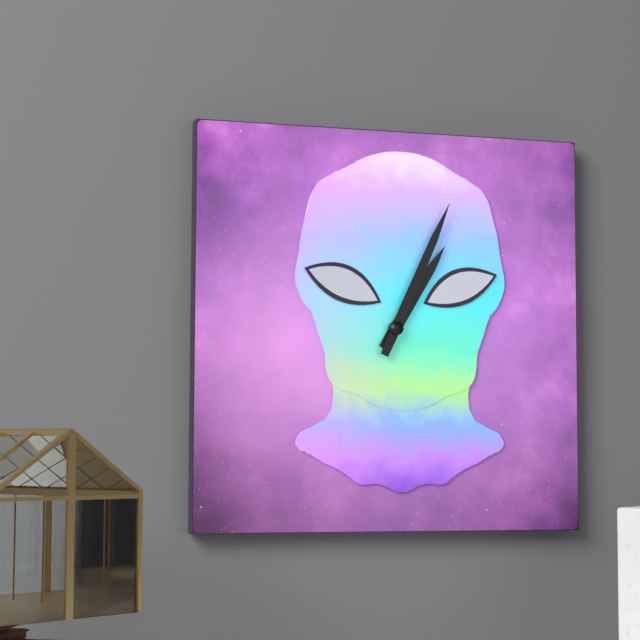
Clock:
1:04
